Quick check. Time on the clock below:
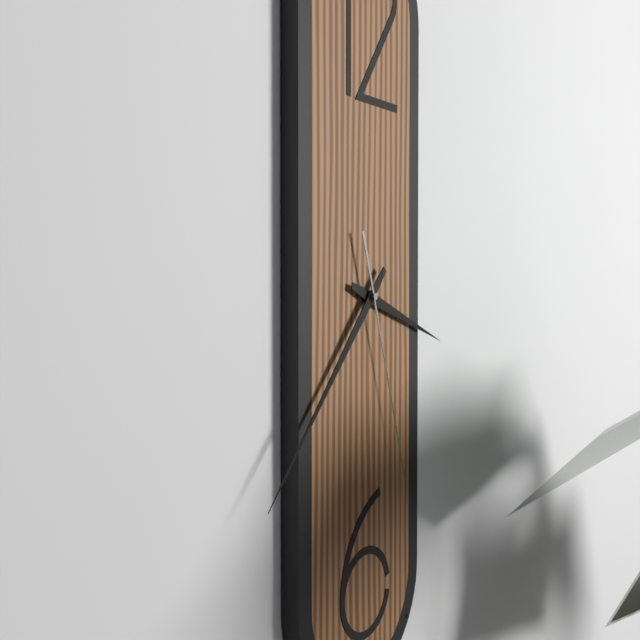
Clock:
3:37:27
